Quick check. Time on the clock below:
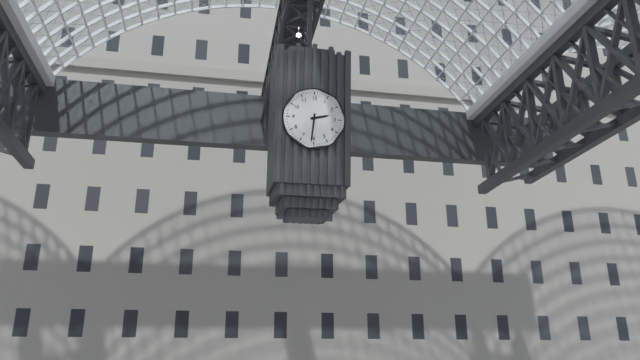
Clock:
2:31
